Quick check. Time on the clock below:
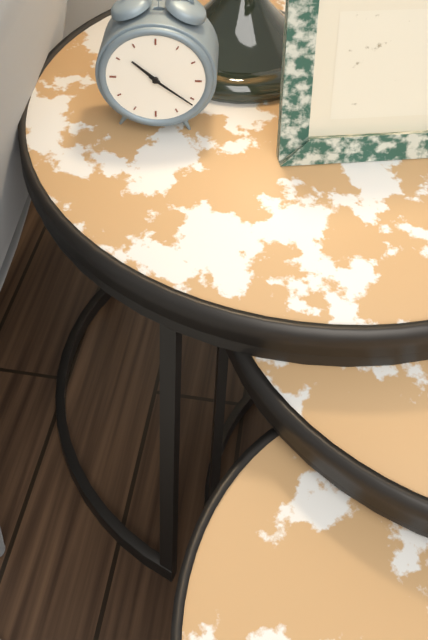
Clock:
10:21
